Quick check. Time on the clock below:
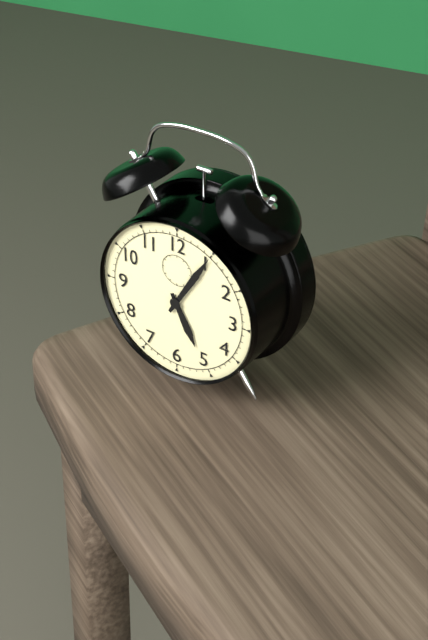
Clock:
5:05
